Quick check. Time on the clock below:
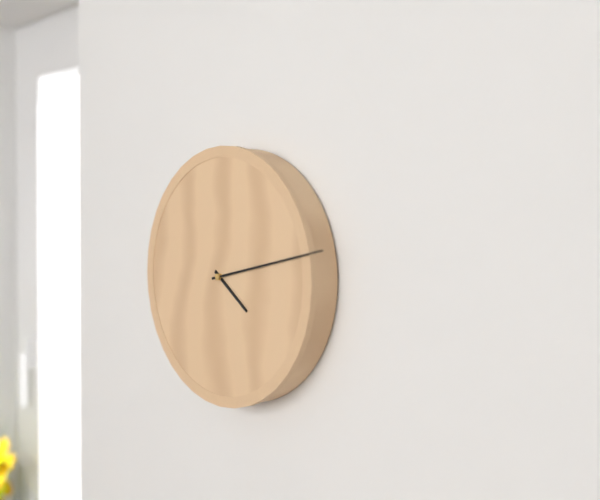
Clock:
4:13
